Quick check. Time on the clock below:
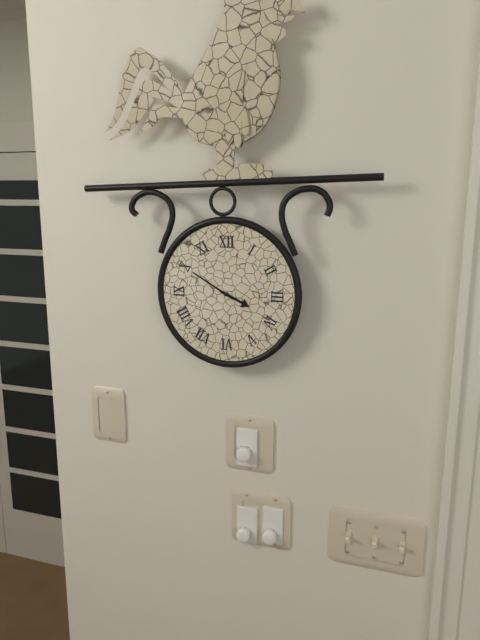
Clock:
3:50
